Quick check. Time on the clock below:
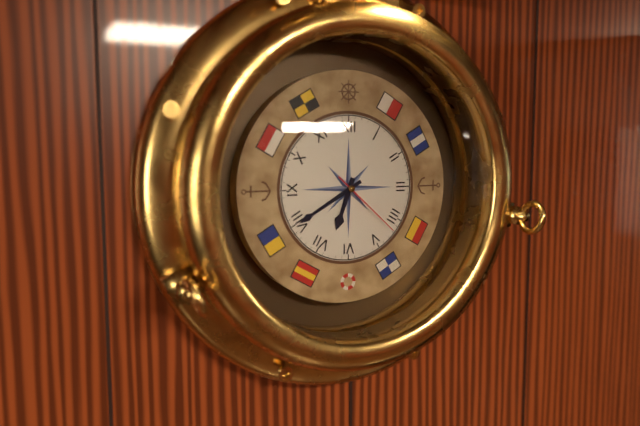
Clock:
6:40:22
